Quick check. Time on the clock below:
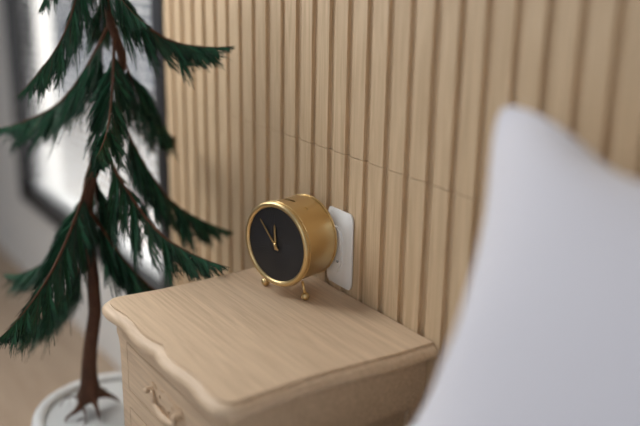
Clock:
11:53
